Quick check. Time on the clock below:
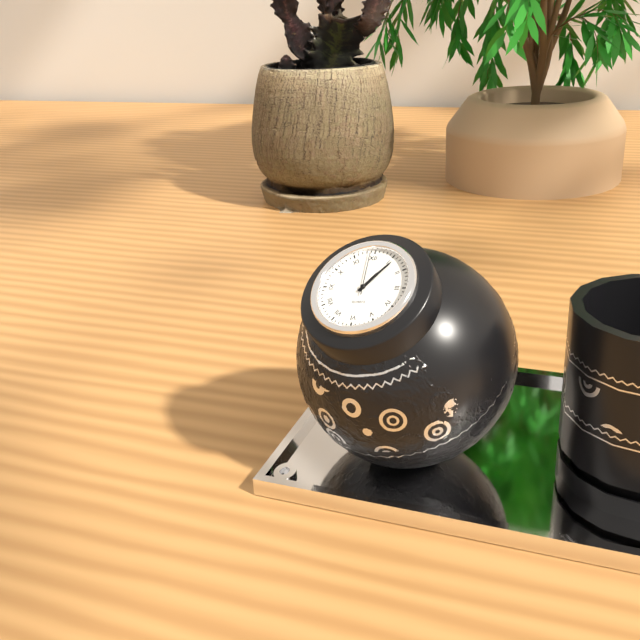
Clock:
1:06:59
